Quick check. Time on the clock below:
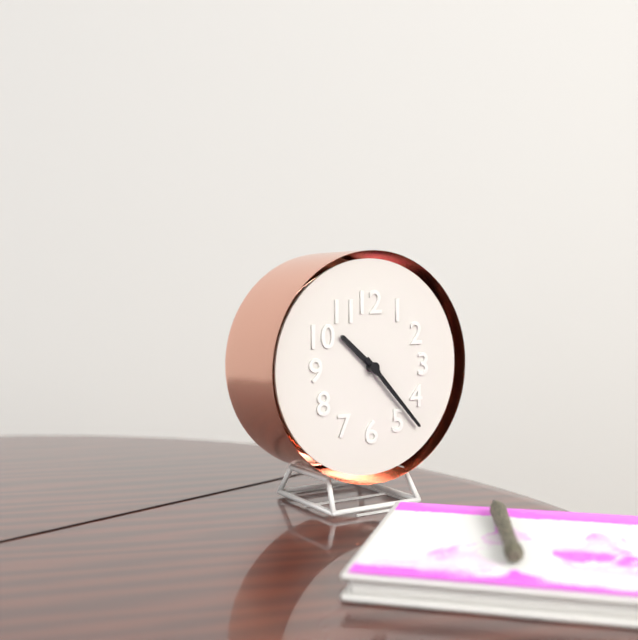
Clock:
10:23
